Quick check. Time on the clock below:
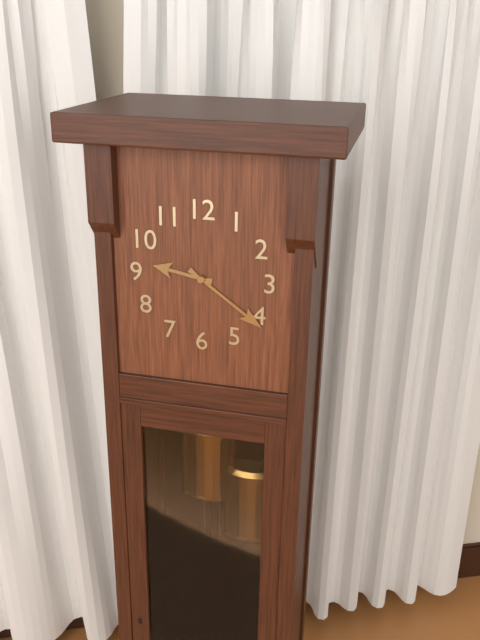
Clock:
9:21
